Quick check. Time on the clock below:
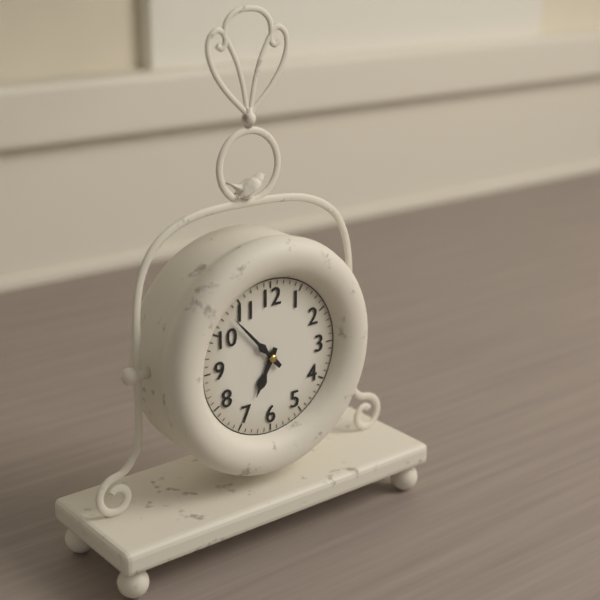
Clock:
6:53
